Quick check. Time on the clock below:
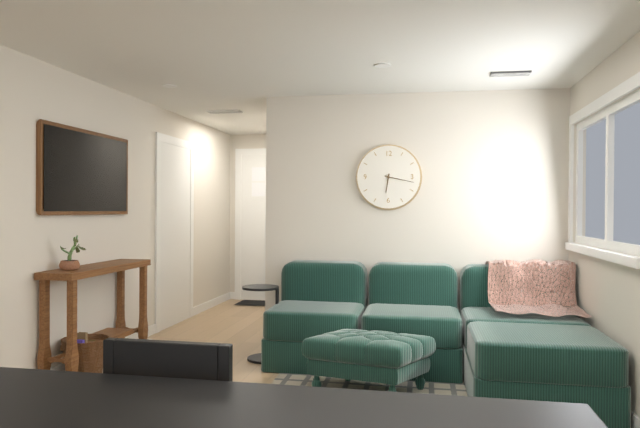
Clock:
6:17
